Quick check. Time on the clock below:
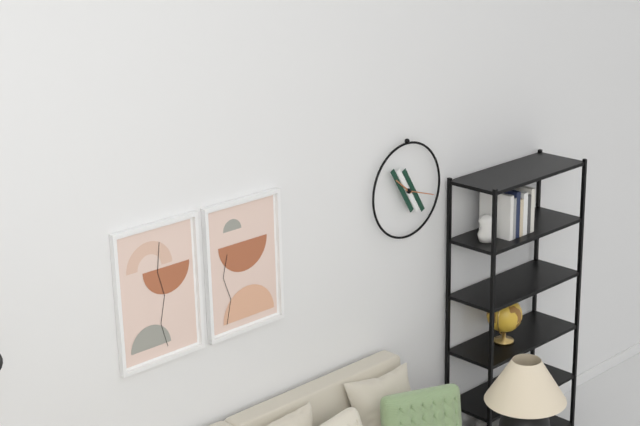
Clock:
10:18
